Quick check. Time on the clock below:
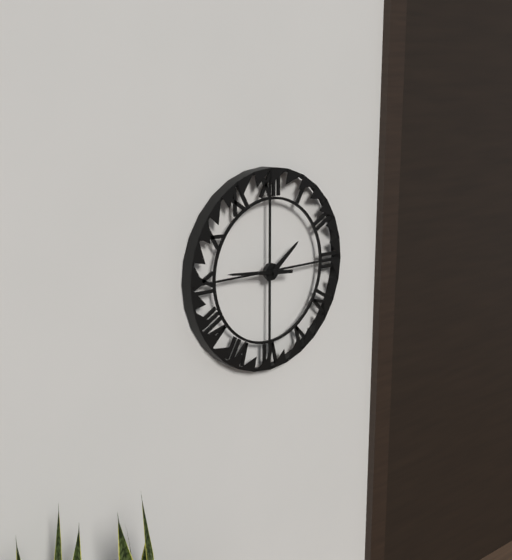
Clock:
1:46
